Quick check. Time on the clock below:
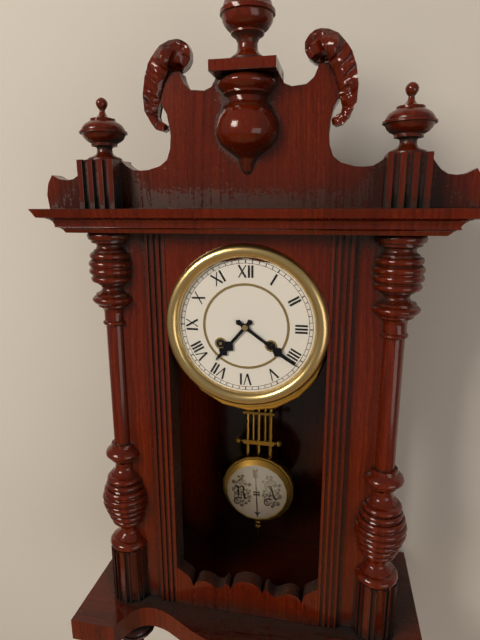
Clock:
7:21
